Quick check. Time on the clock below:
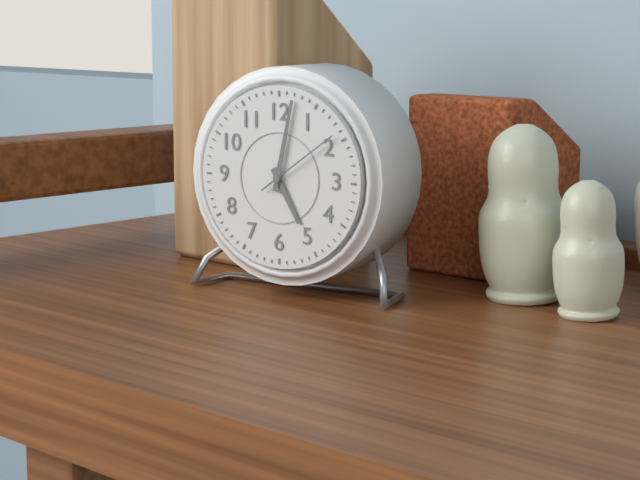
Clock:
5:02:09
